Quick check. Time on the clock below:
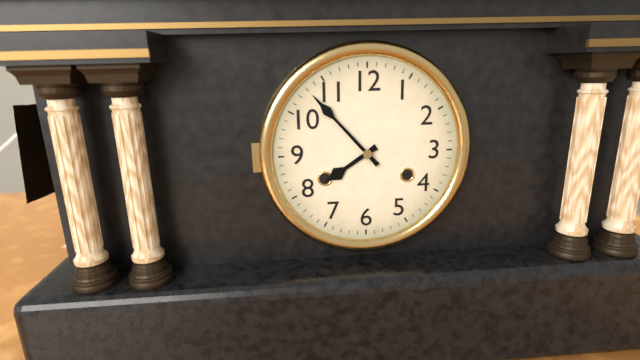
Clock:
7:53
